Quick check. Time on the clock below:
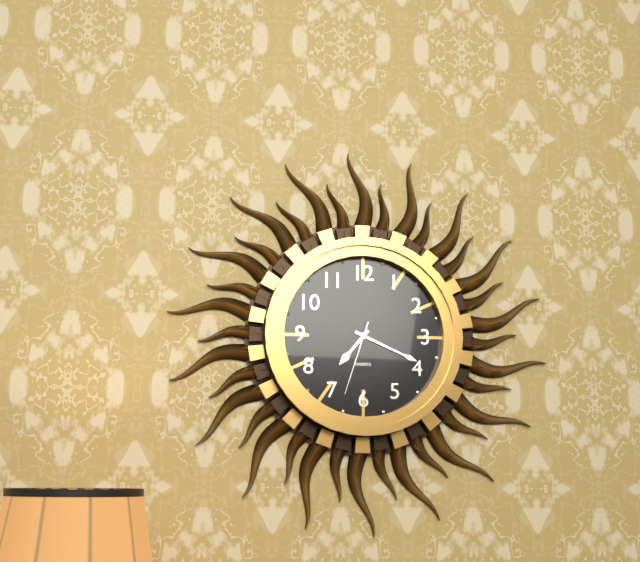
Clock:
7:19:33
